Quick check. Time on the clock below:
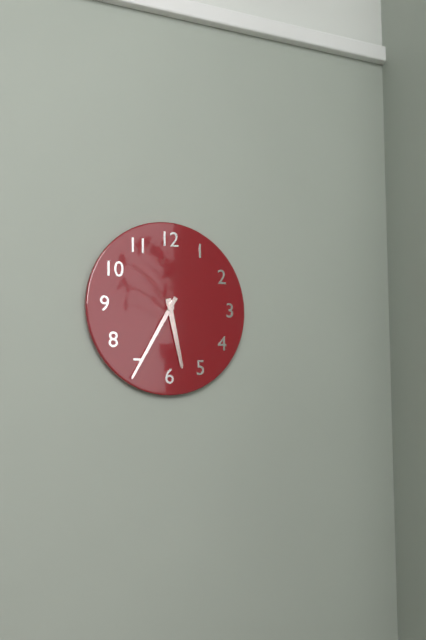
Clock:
5:35
